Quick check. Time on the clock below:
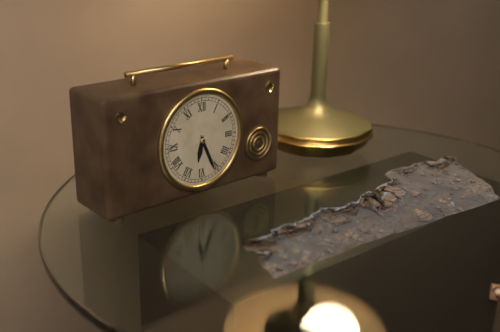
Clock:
6:26
